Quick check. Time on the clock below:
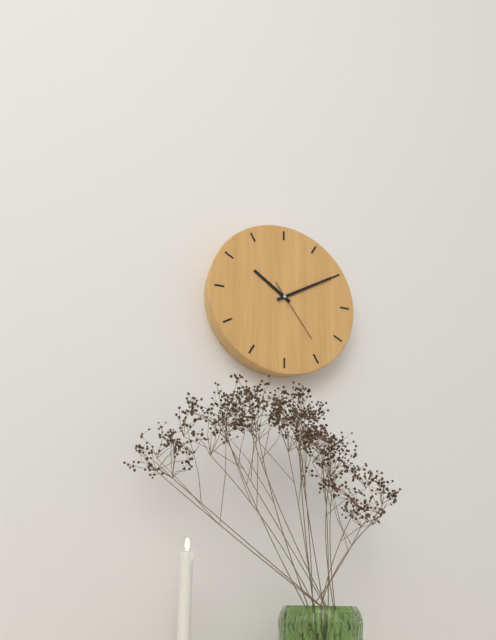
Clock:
10:10:24
